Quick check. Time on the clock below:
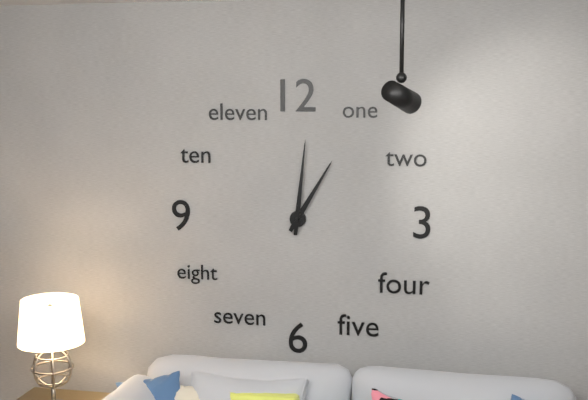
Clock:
1:01
